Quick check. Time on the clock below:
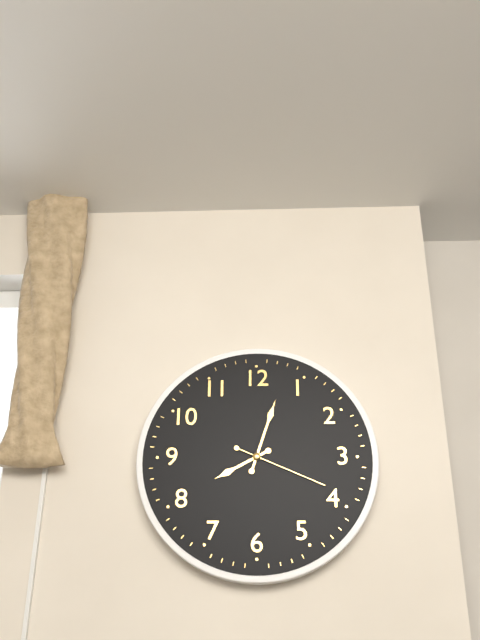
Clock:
8:03:19
